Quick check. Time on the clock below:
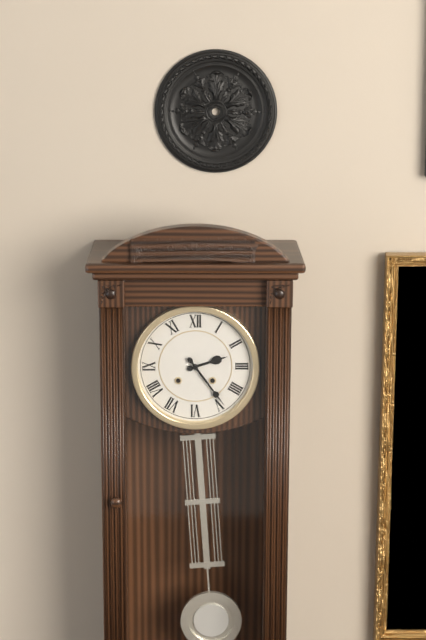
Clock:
2:24
